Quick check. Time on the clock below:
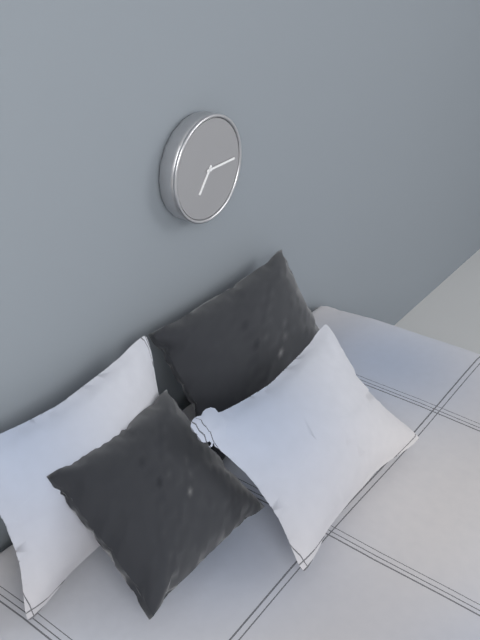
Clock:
7:15
